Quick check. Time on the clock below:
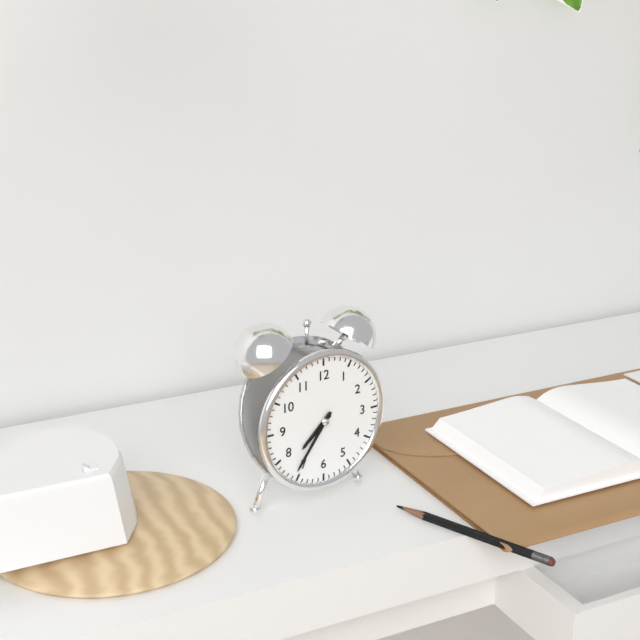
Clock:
7:36
